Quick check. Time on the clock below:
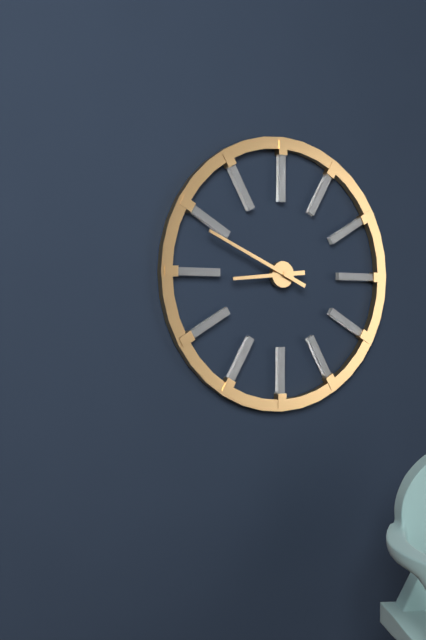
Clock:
8:49
